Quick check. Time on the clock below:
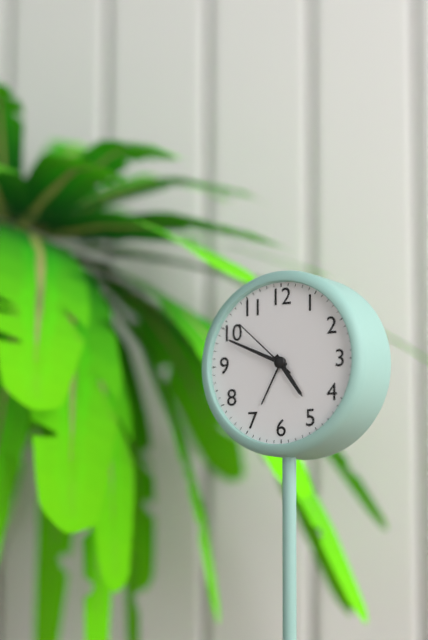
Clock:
4:49:52
